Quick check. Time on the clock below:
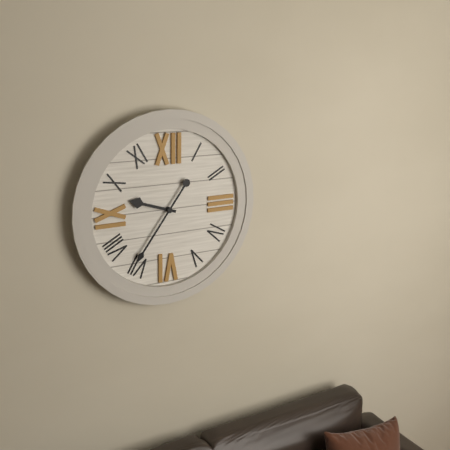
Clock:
9:36
